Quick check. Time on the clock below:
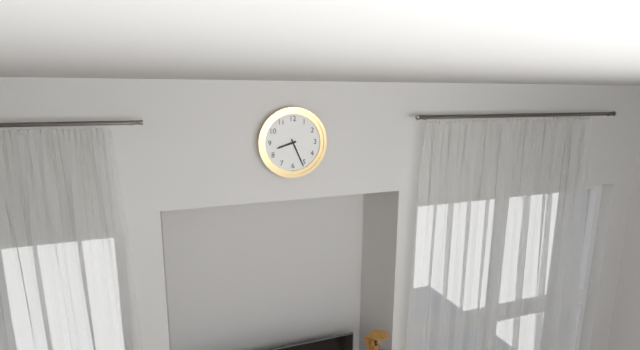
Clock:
8:26
